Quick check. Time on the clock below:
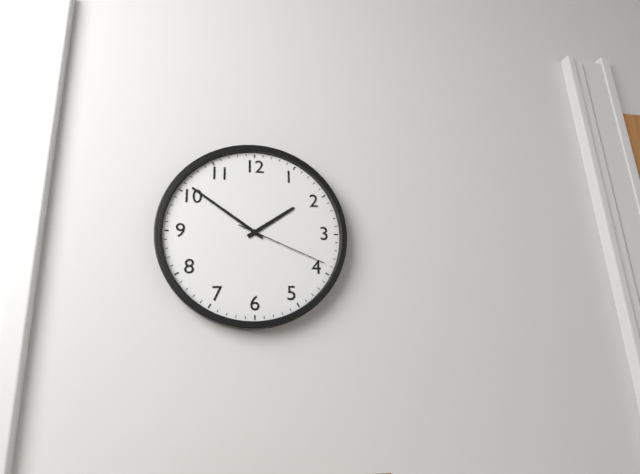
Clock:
1:51:19
